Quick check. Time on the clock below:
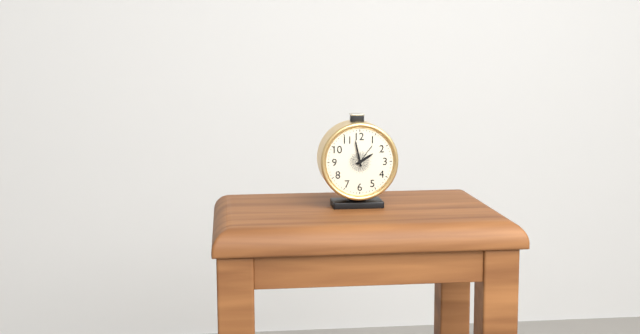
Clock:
1:58
